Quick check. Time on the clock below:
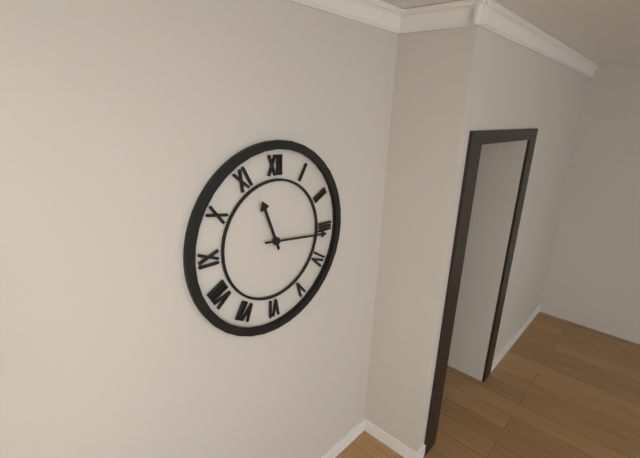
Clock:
11:16
